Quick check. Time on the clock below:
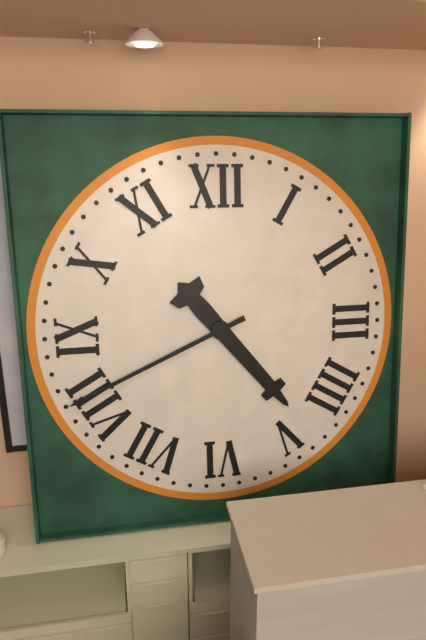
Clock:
4:41
